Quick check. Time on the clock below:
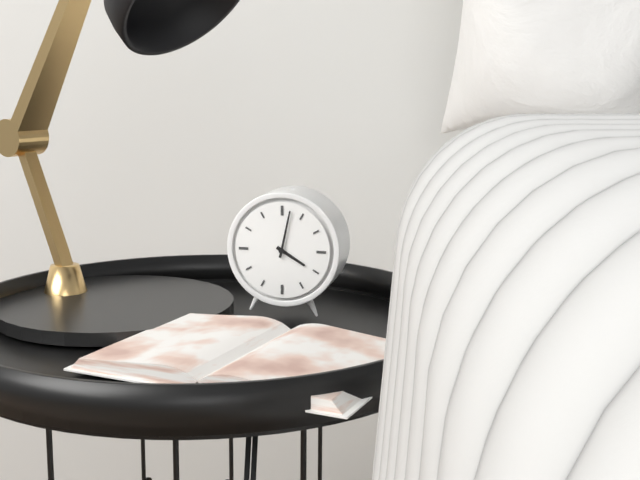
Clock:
4:02
